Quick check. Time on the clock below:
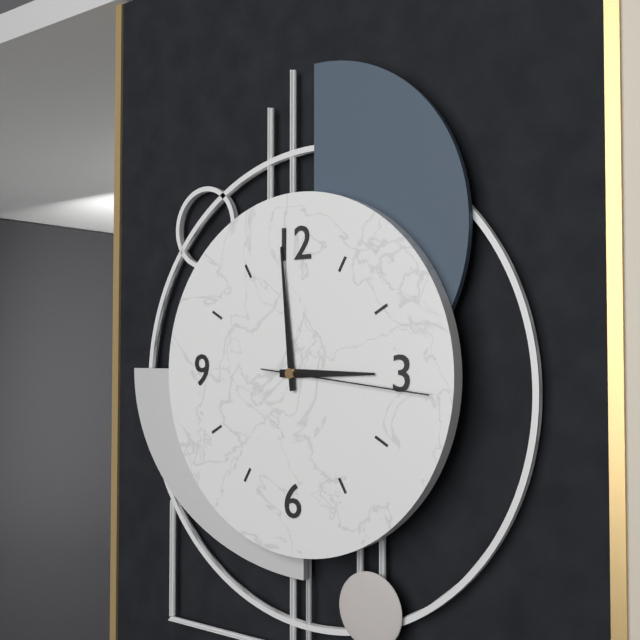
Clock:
2:59:16
